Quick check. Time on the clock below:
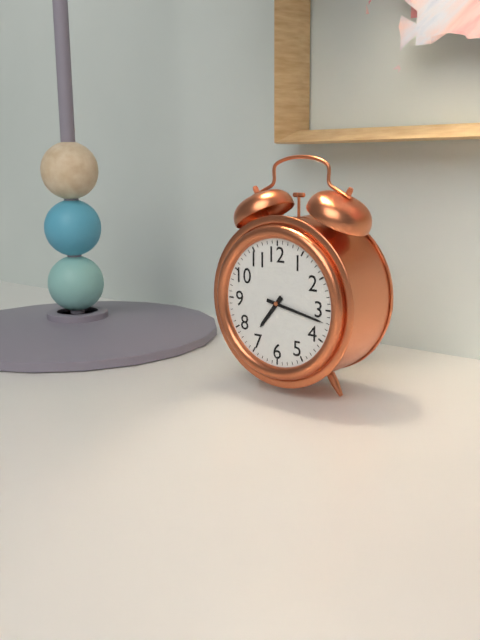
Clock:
7:17
